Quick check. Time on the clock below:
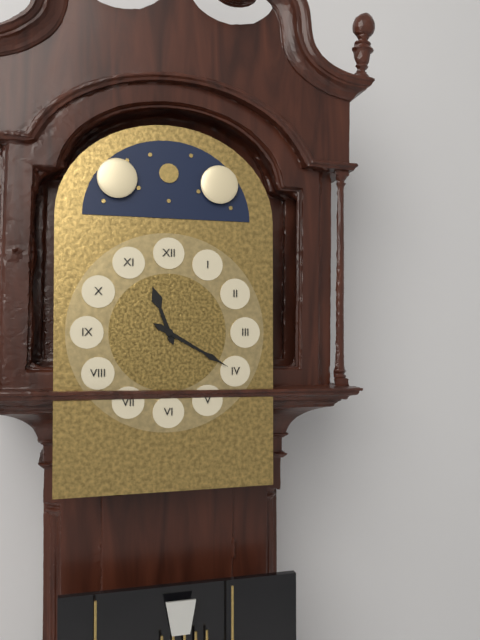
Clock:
11:20
